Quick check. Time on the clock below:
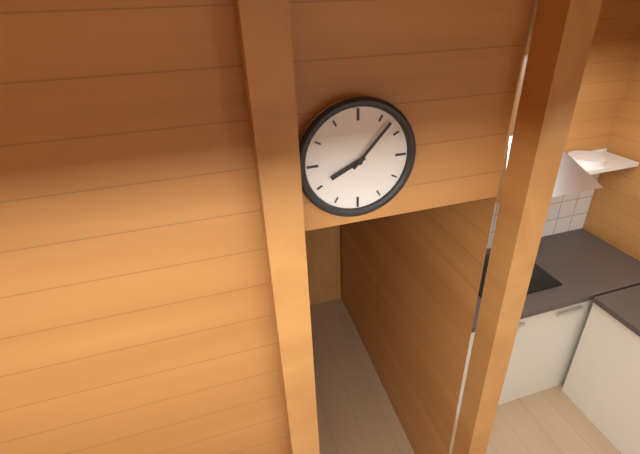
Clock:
8:07
